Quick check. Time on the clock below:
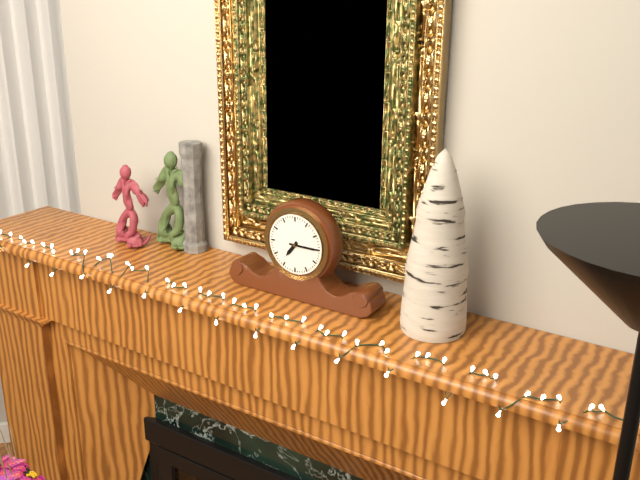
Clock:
7:15
